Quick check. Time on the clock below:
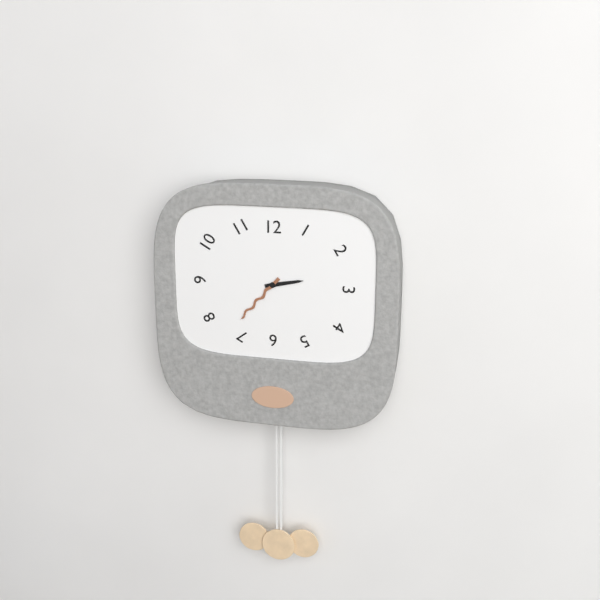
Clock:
2:37
